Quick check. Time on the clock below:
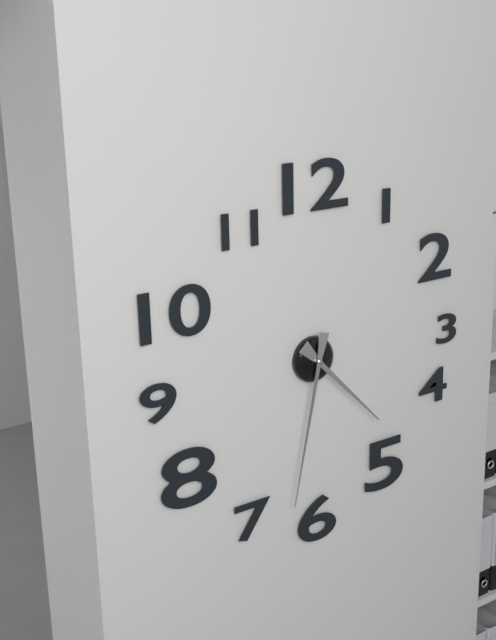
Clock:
4:32
